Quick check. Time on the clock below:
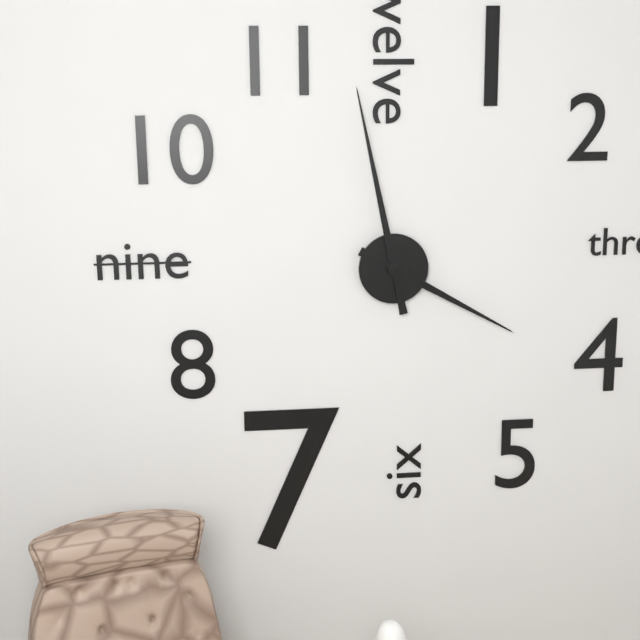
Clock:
3:58
